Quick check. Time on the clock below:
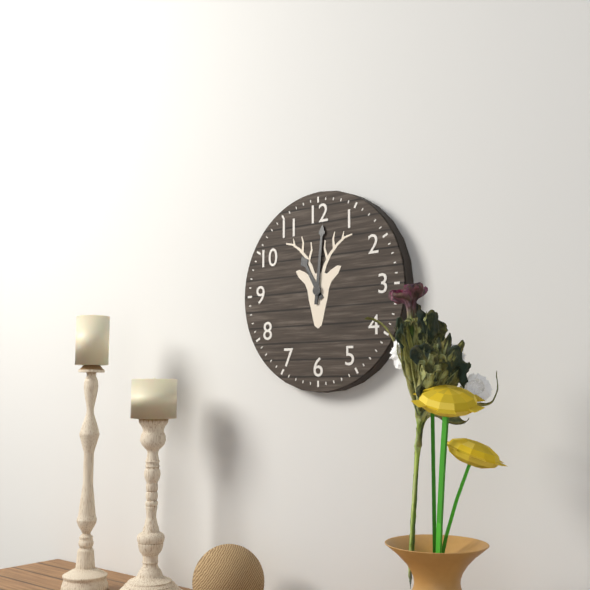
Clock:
11:01
